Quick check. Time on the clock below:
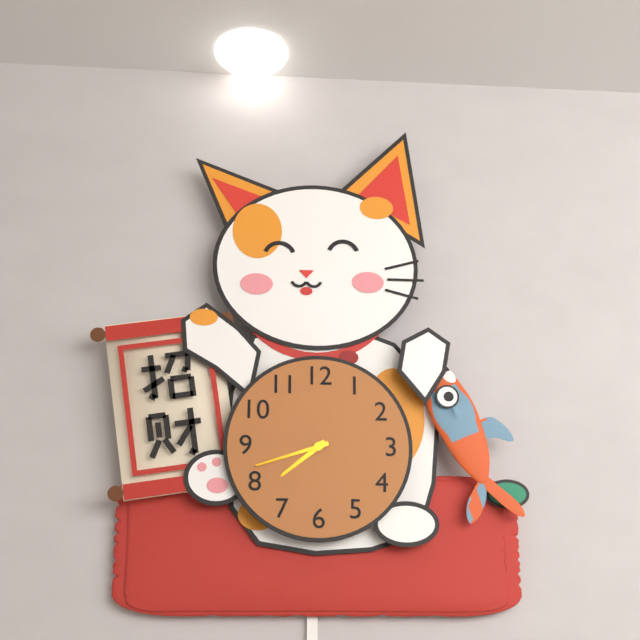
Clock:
7:42
